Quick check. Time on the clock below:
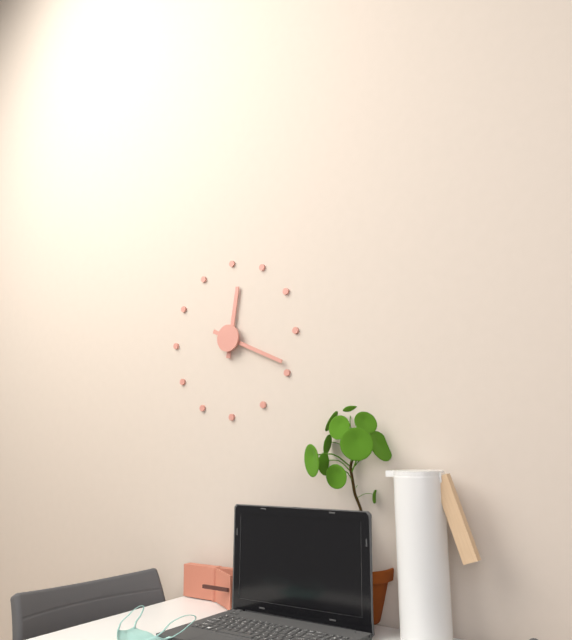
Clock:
12:19
